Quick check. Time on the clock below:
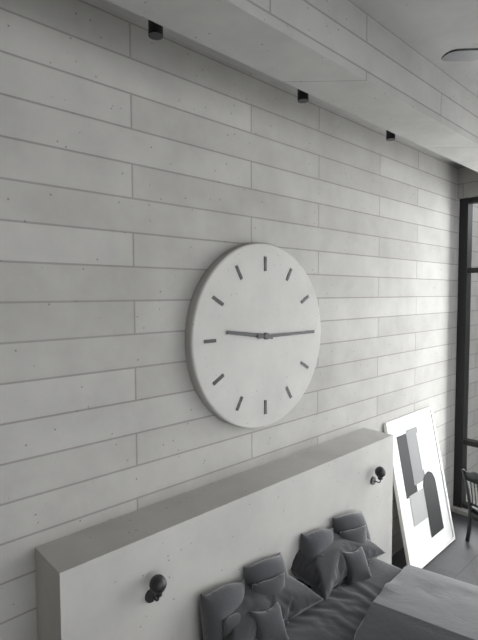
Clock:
9:15
